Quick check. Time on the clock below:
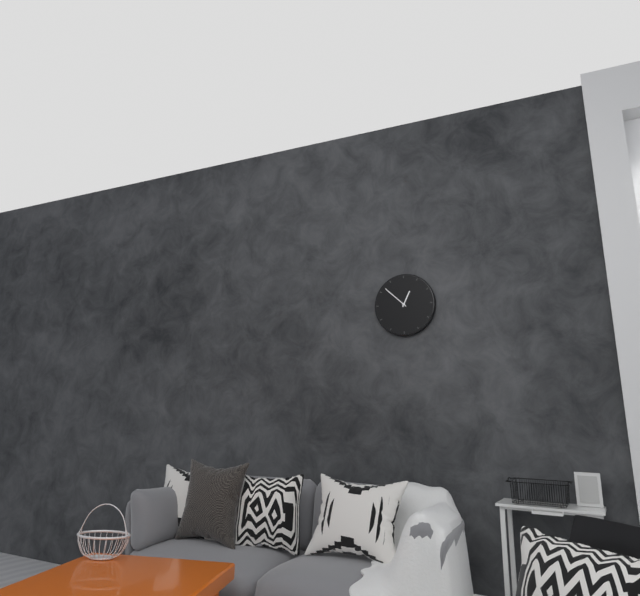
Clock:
12:52
